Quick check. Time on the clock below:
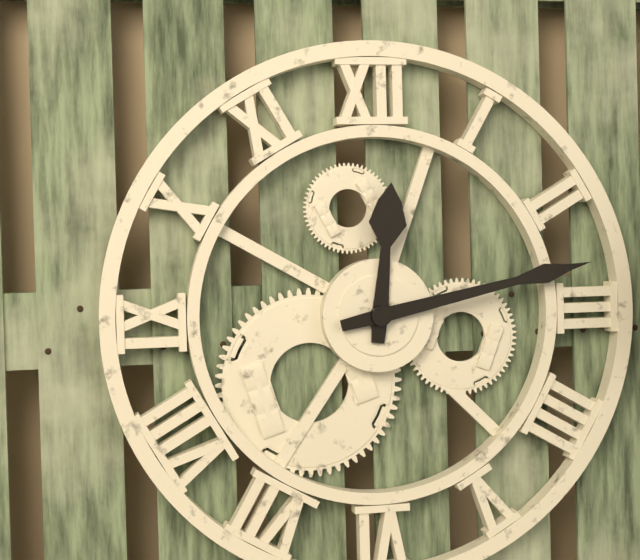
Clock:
12:13
